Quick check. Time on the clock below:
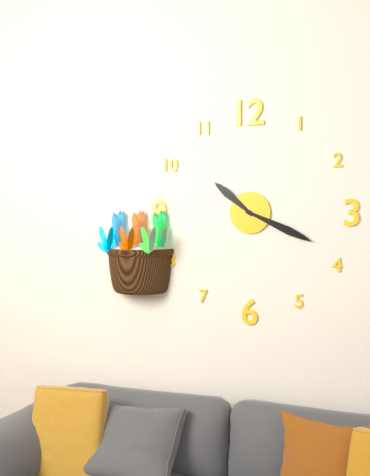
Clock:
10:19
